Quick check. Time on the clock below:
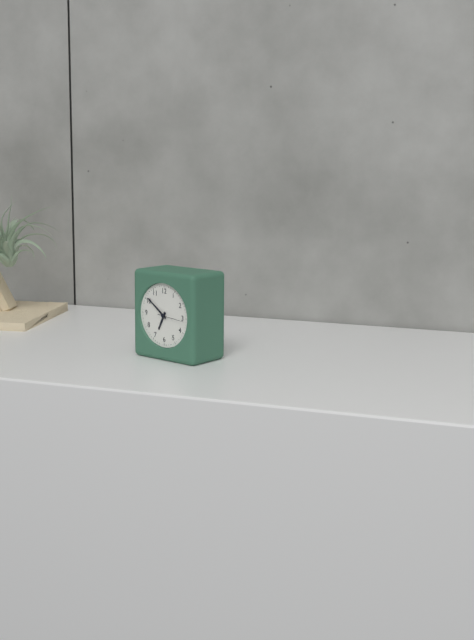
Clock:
6:51
